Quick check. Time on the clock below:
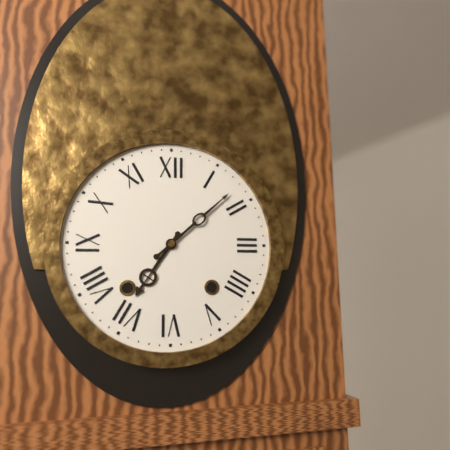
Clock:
7:08
